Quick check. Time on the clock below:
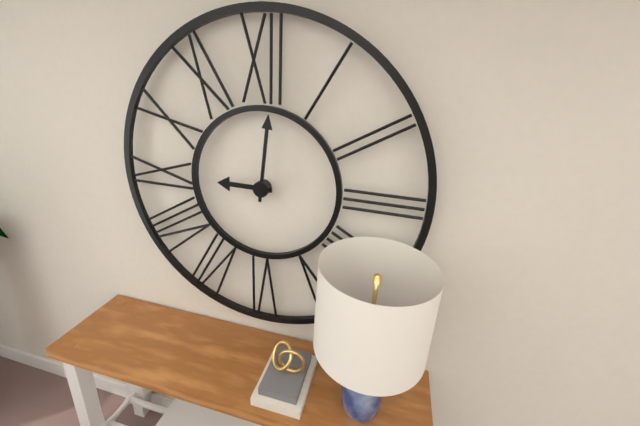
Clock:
9:01
